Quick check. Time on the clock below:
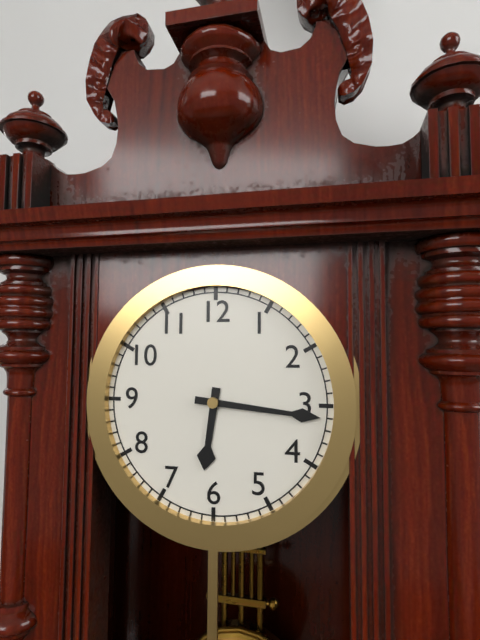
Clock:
6:16
